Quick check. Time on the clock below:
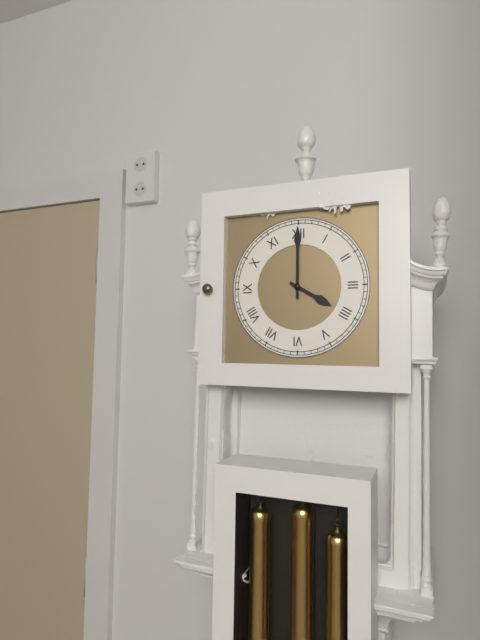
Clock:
4:00
